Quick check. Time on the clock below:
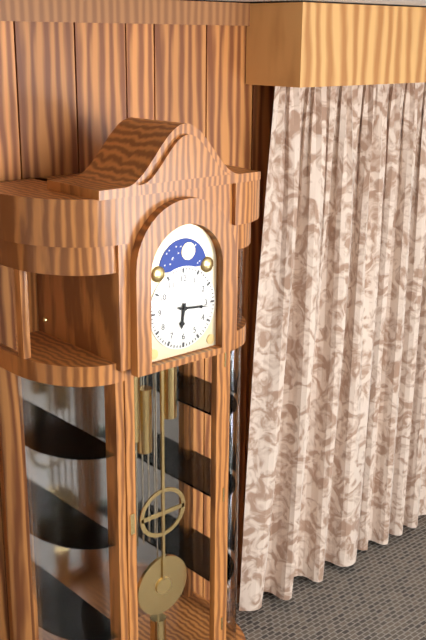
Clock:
6:16
